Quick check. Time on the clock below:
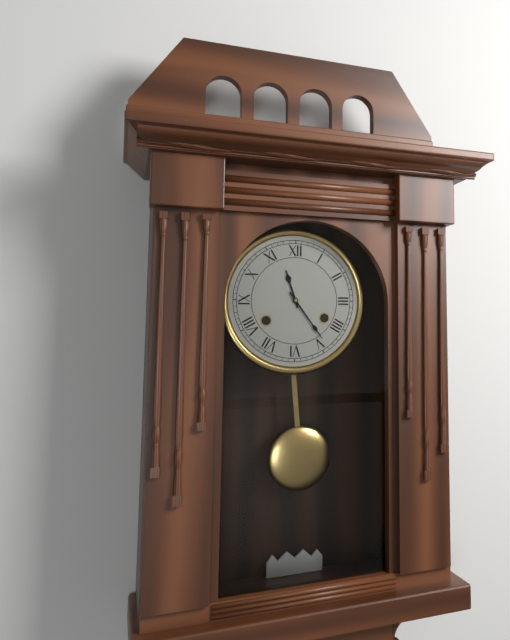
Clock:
11:24
